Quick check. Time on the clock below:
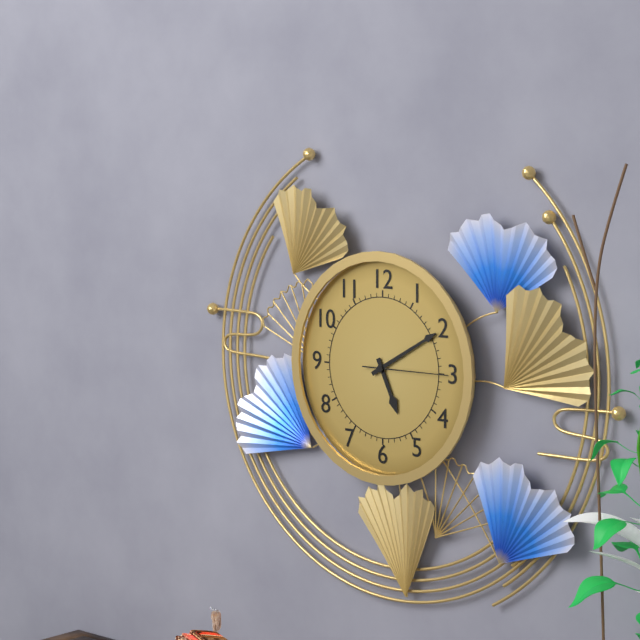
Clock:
5:10:15
